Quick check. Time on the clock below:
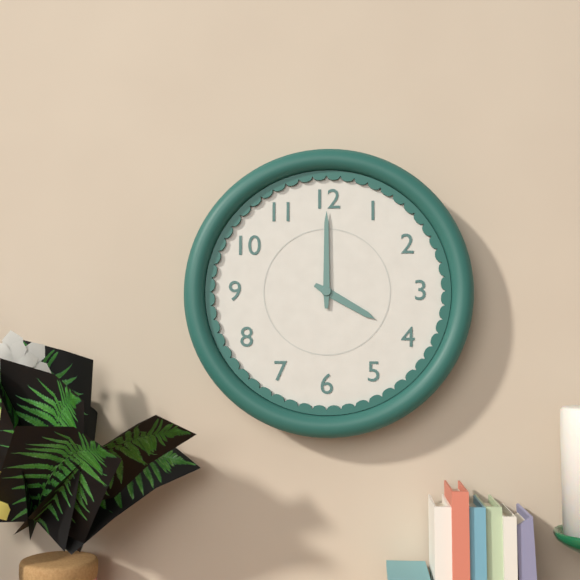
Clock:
4:00
